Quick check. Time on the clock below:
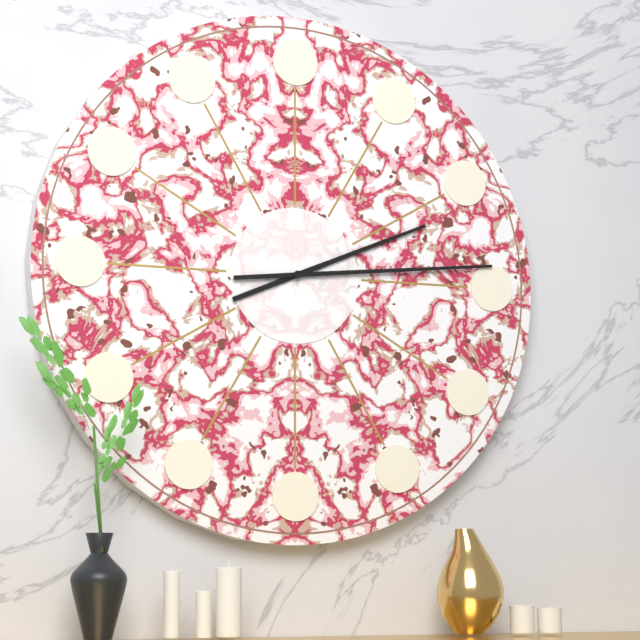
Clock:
2:14
